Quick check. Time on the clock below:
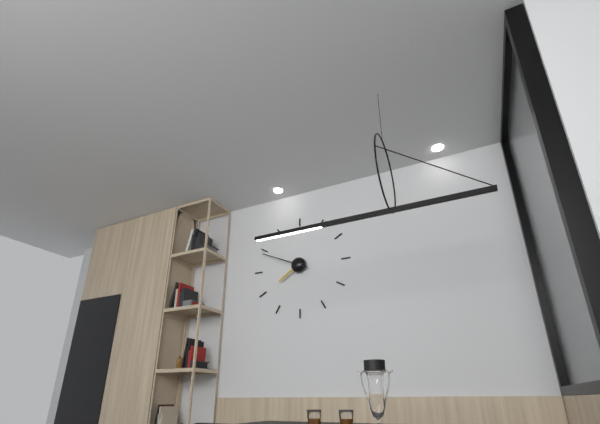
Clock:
7:49
